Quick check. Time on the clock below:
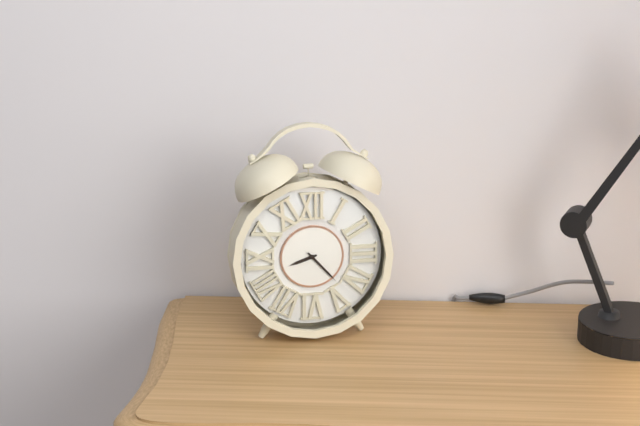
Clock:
8:23
